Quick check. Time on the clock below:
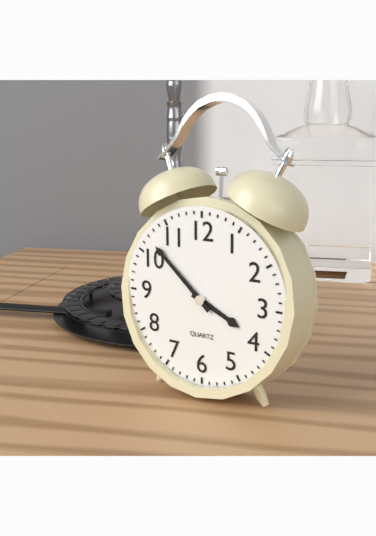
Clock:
3:52
